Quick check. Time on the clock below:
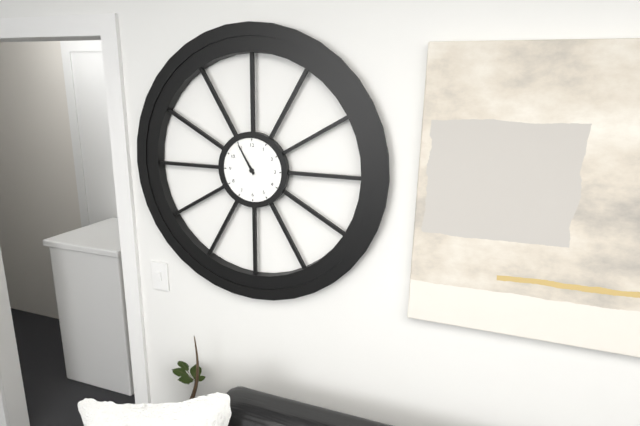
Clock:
10:55
